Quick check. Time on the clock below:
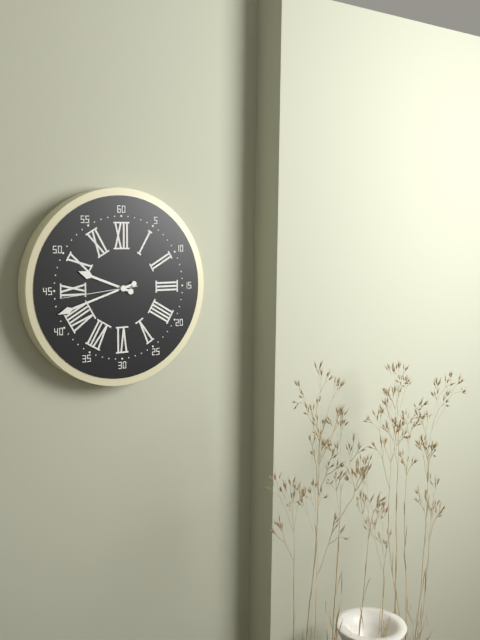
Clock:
9:42:44
